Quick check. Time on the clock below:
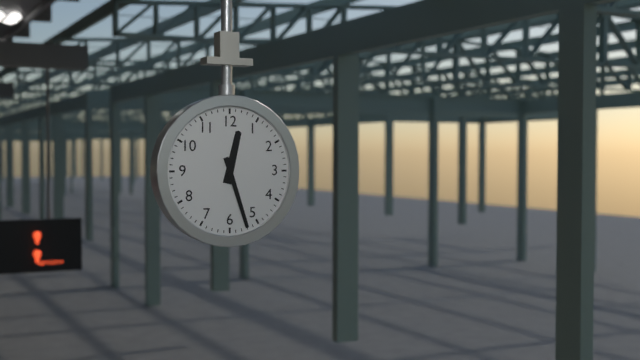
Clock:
12:27
